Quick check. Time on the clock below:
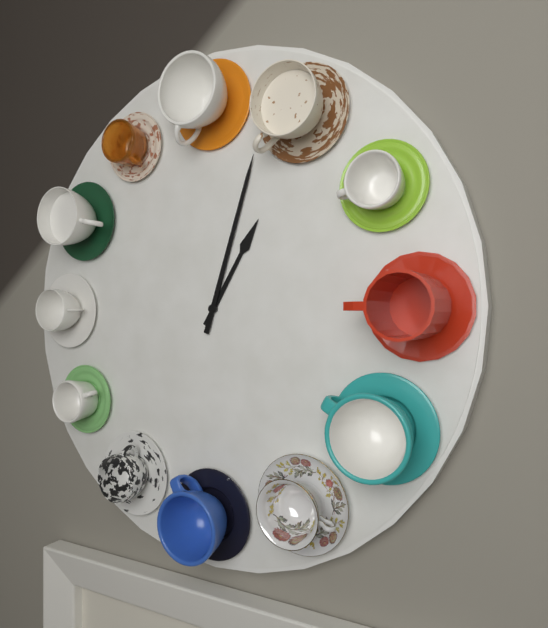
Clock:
1:03
